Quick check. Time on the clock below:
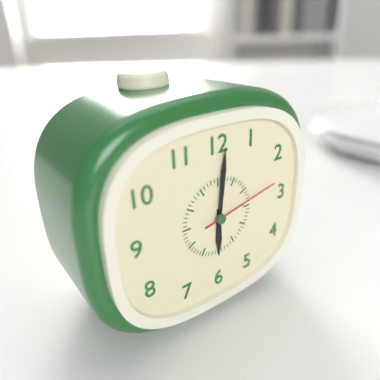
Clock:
6:01:13
